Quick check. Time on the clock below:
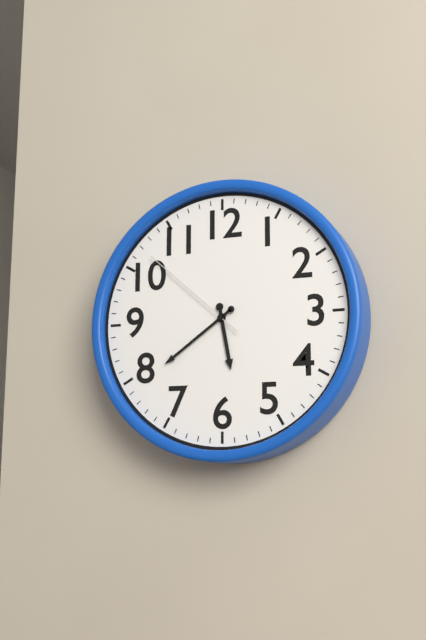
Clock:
5:39:52
